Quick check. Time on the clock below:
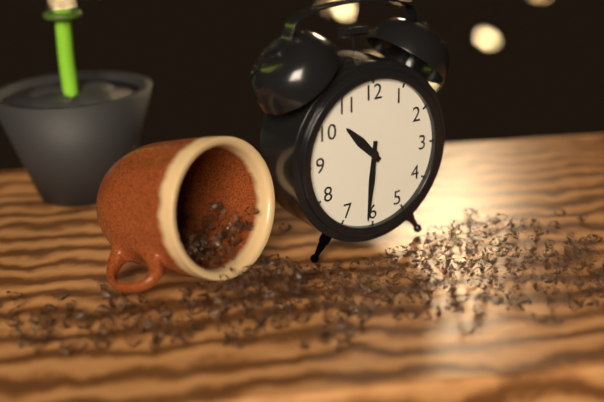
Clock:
10:31
